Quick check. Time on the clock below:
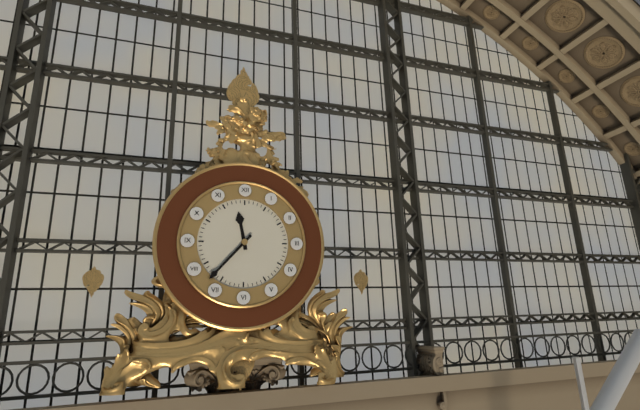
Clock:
11:37
